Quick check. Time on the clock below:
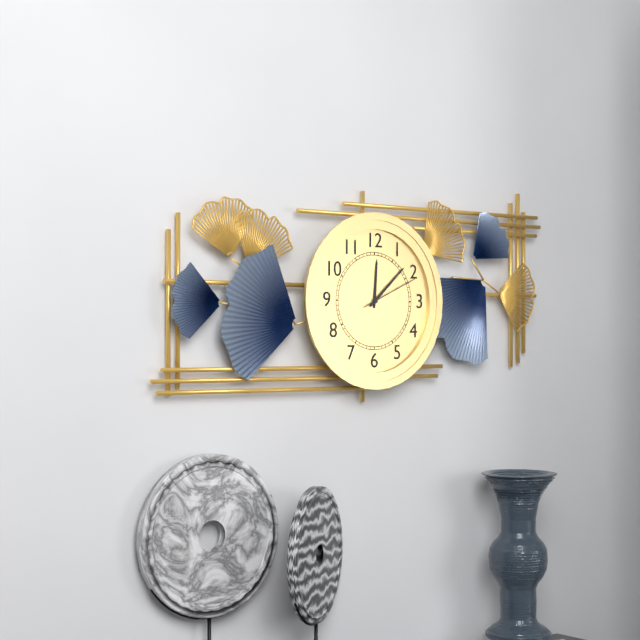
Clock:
12:08:11
